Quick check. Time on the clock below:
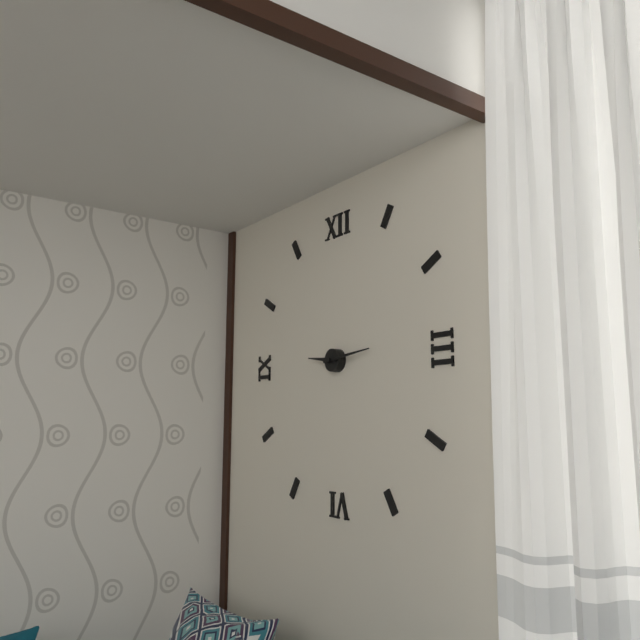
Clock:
9:14
